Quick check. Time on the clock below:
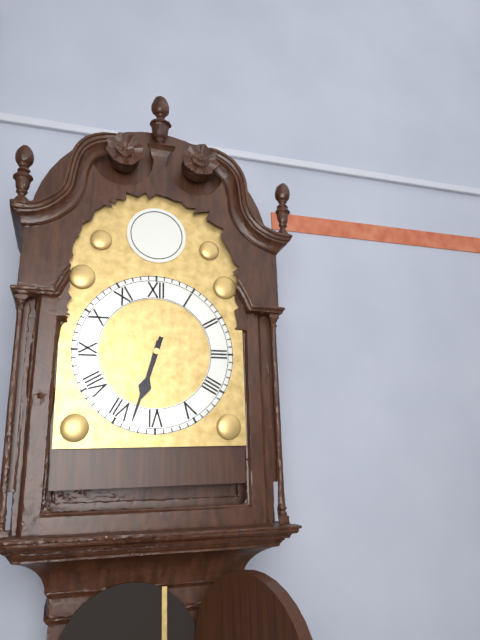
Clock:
6:33
